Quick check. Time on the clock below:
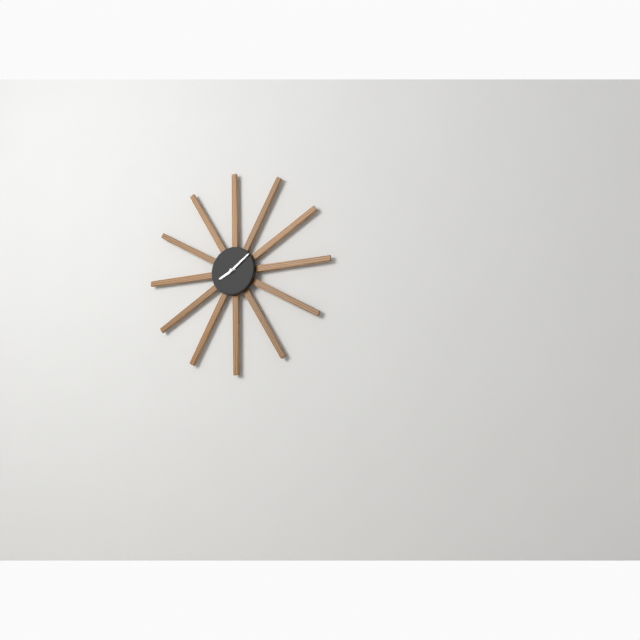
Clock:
8:09
